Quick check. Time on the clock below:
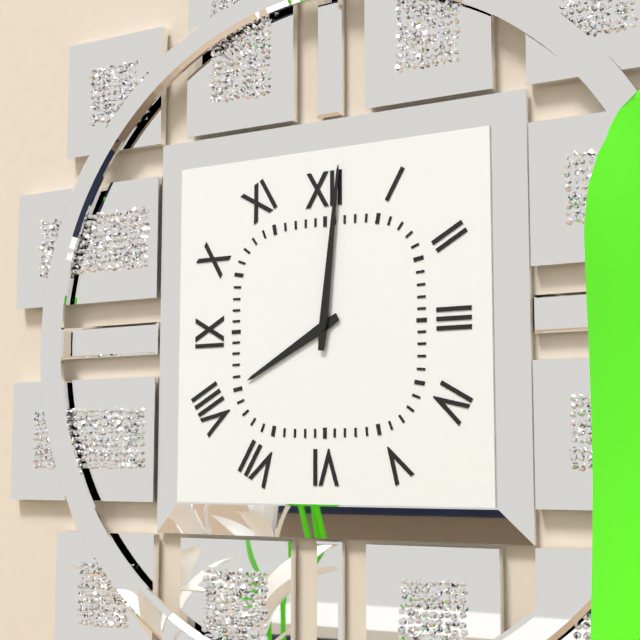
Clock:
8:01
